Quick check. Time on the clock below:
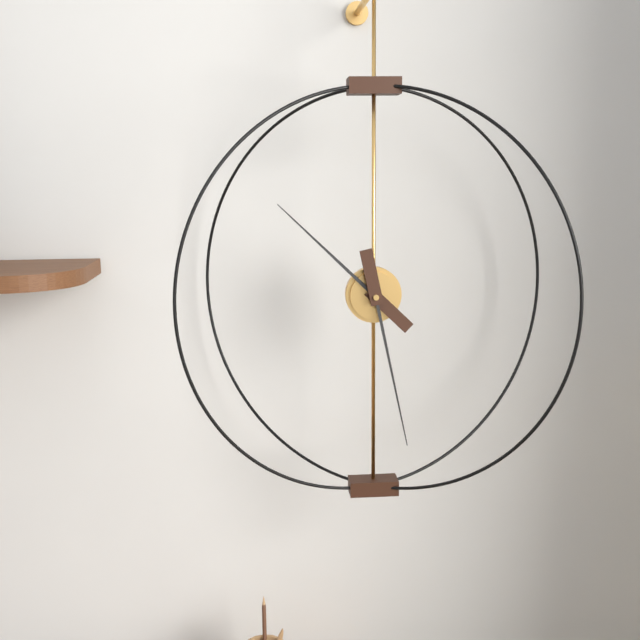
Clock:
10:28
